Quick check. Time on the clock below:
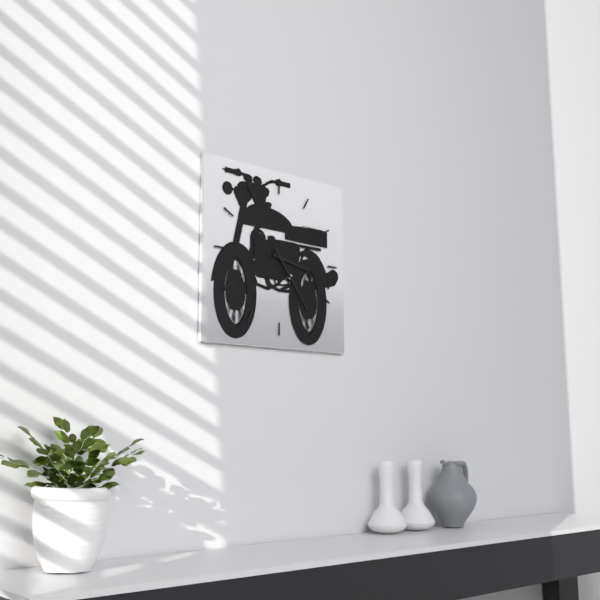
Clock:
3:24
